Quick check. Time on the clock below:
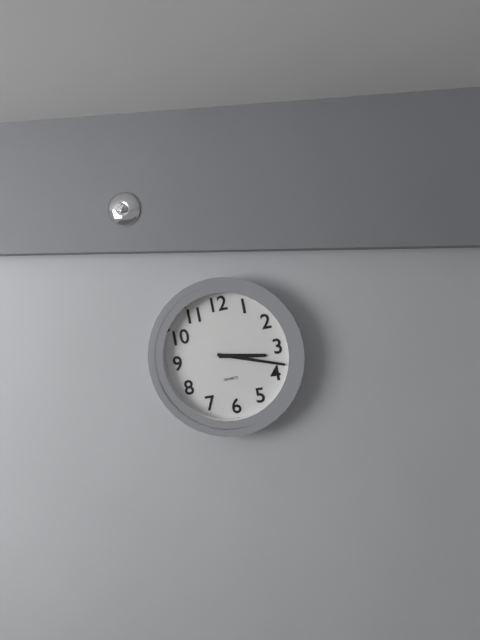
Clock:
3:18
